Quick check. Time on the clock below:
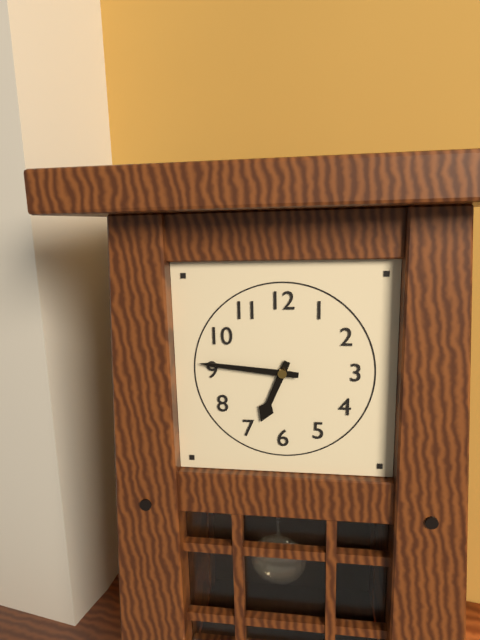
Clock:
6:46
